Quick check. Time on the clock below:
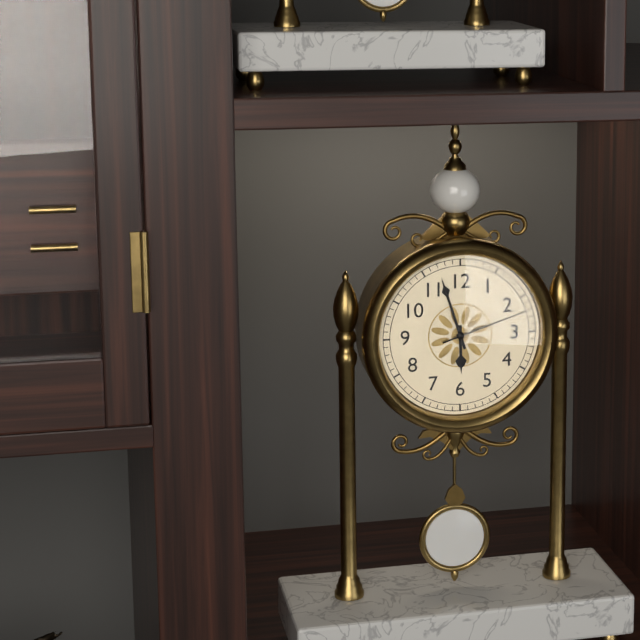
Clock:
5:57:12
